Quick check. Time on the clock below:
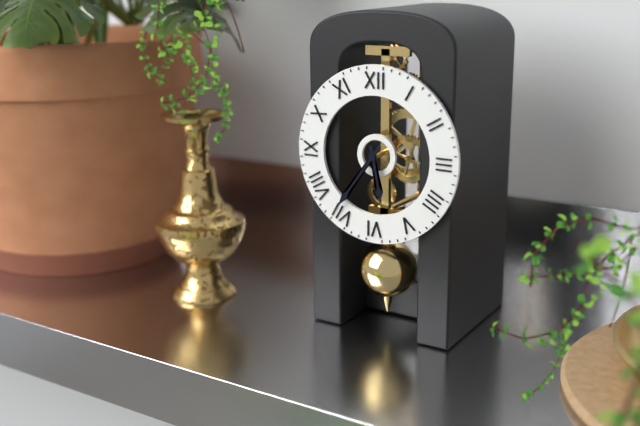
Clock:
5:36
